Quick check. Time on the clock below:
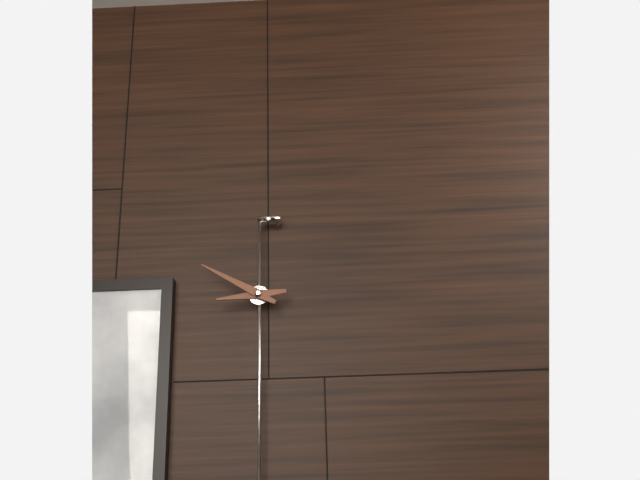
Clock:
8:50
